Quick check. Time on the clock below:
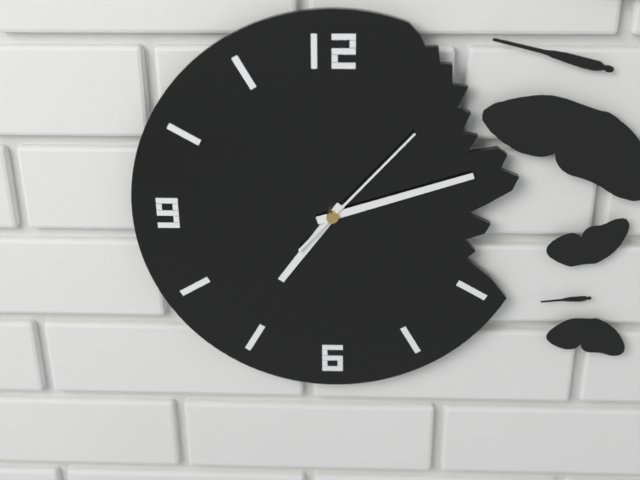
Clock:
7:12:07
